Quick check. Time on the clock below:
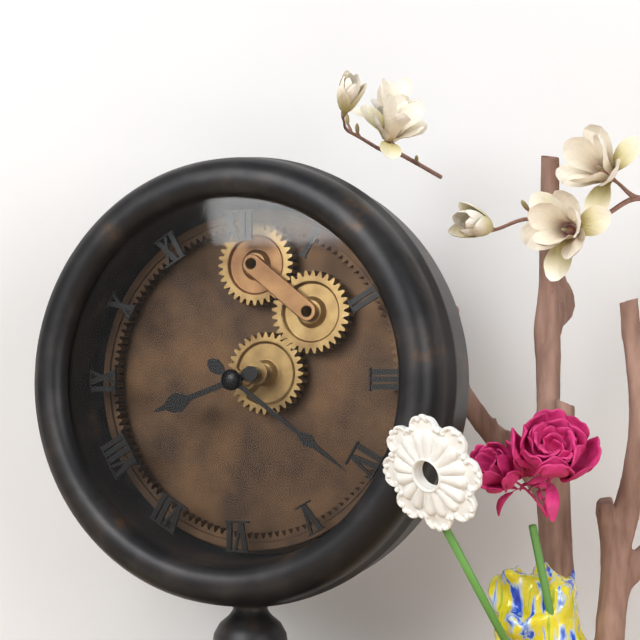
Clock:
8:21
